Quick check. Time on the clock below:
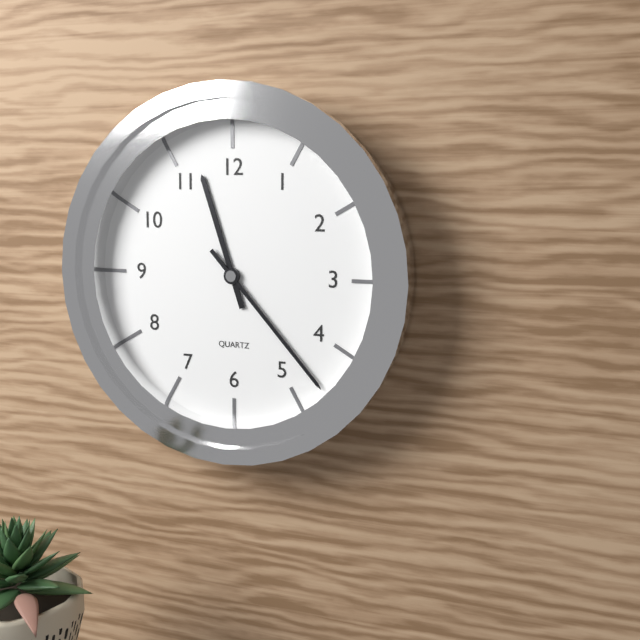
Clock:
11:23
